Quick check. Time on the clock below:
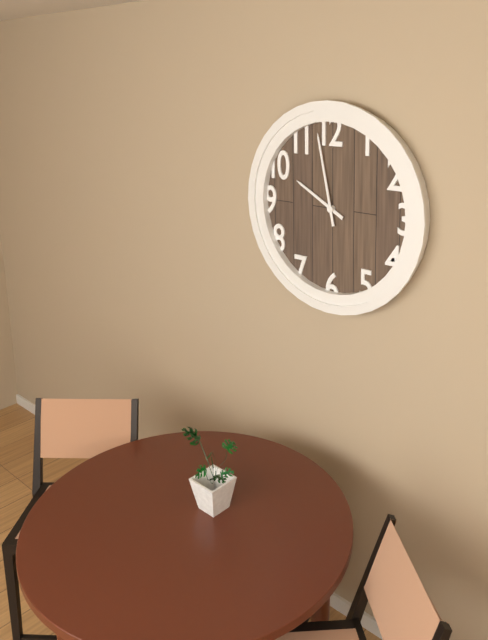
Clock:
9:58
